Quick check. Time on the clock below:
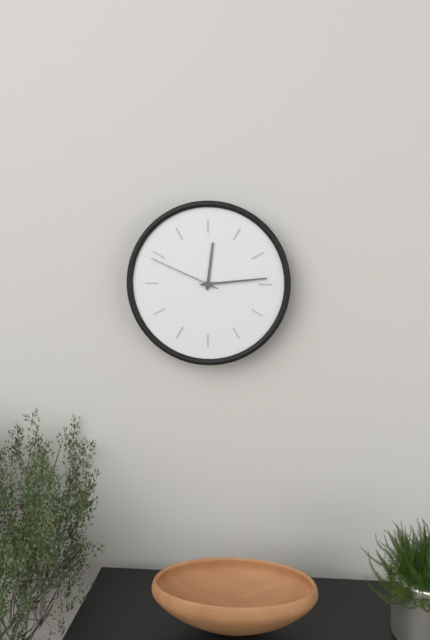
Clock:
12:14:49
